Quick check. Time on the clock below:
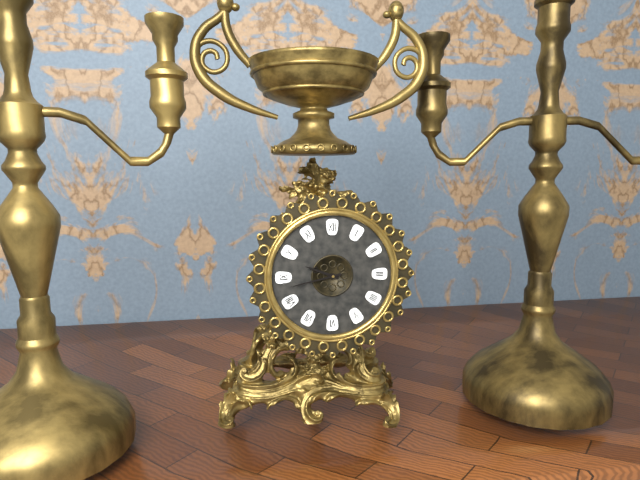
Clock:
9:43
